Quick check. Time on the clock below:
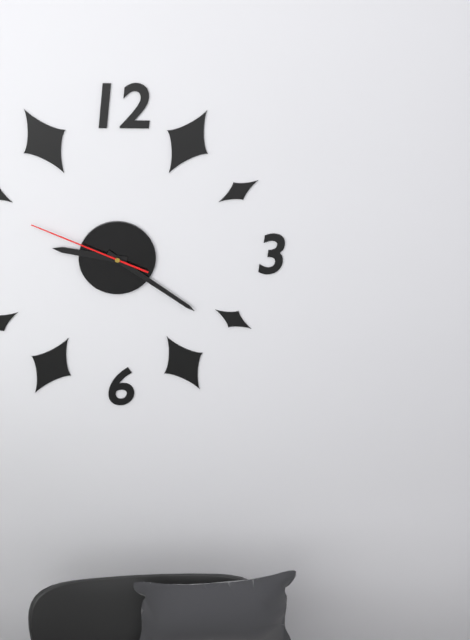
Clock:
9:21:49
